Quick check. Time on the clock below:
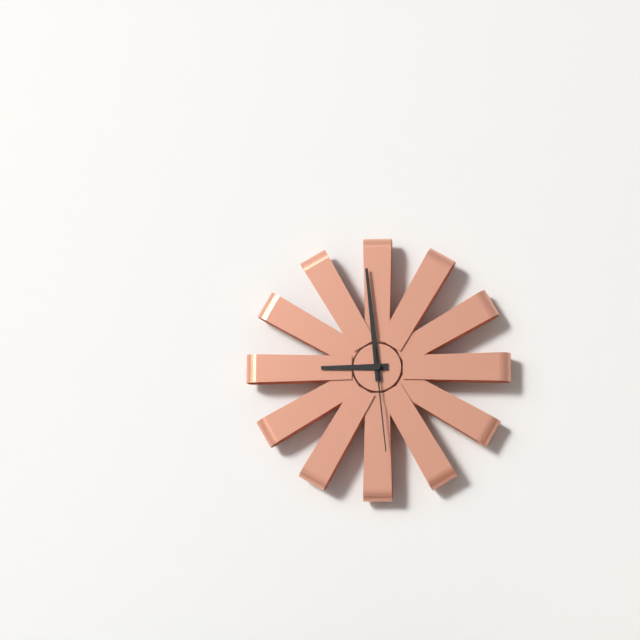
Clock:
8:59:29
